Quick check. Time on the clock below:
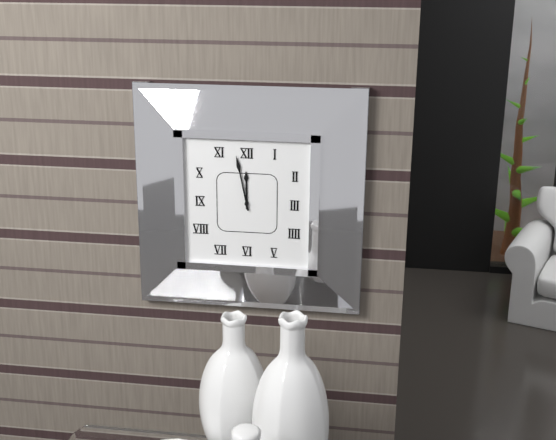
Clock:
11:58
